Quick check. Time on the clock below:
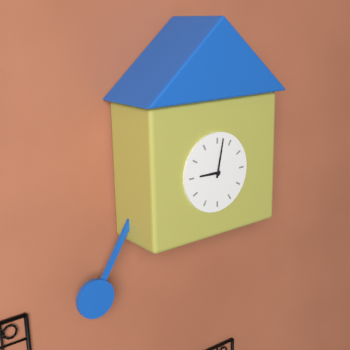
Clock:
9:02
